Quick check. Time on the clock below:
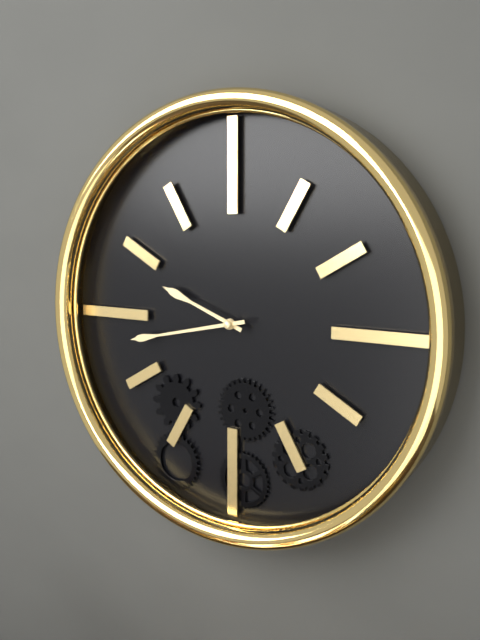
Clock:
9:43
